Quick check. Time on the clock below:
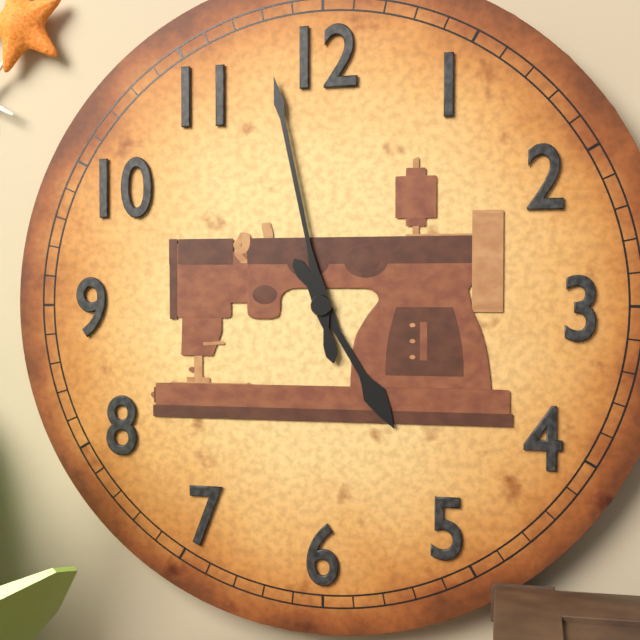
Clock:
4:58
